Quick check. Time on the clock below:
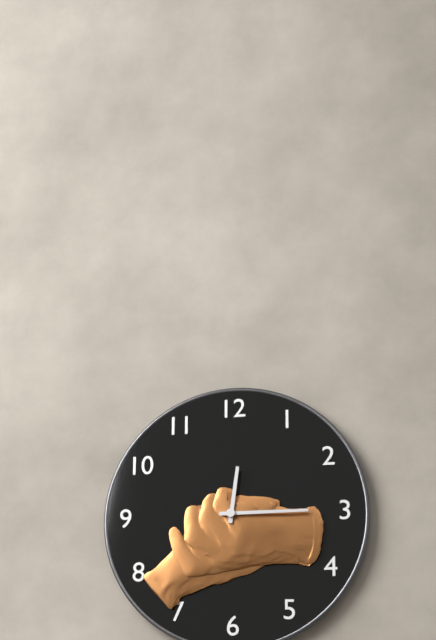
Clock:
12:15
